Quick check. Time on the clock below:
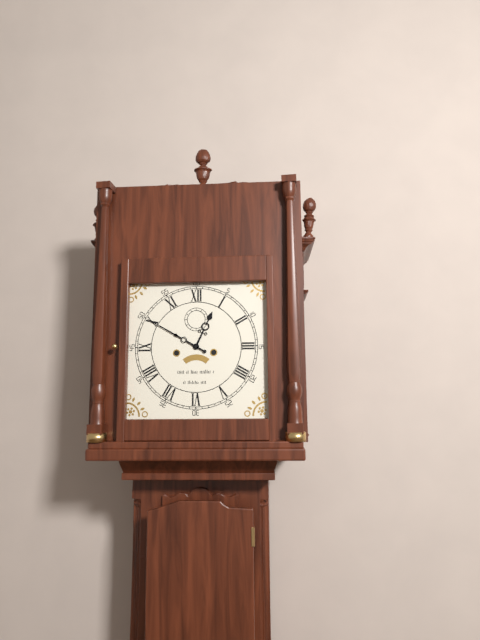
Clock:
12:50
